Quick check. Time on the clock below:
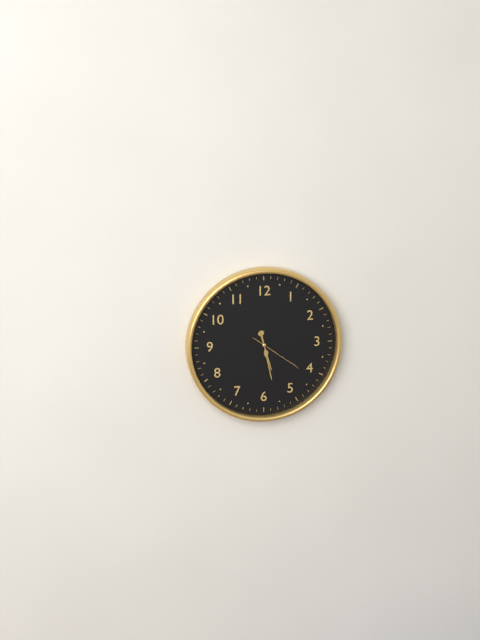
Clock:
5:28:21
